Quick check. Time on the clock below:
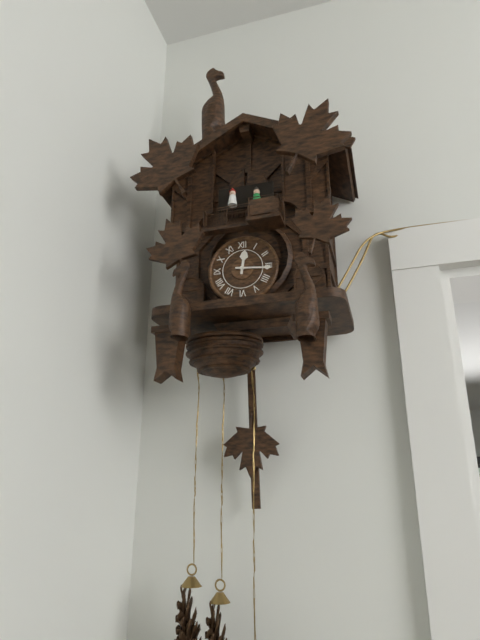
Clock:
12:16
